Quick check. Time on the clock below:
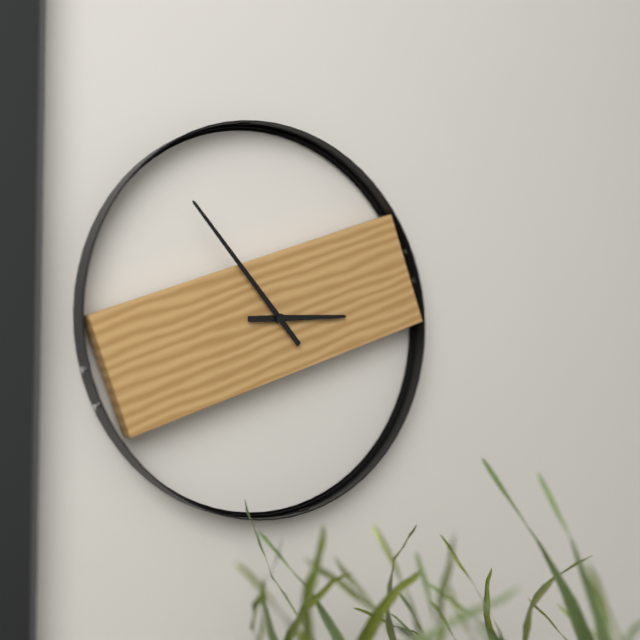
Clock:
2:53
